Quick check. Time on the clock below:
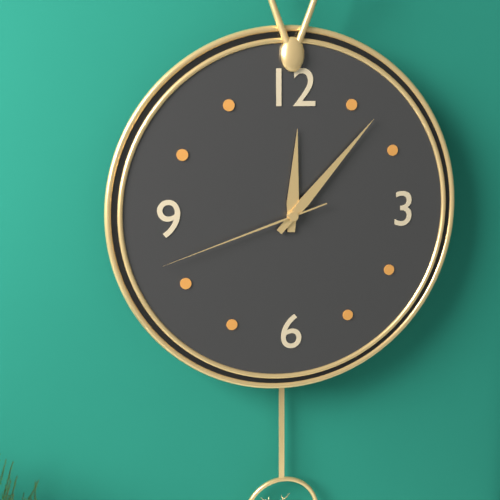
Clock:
12:07:42
